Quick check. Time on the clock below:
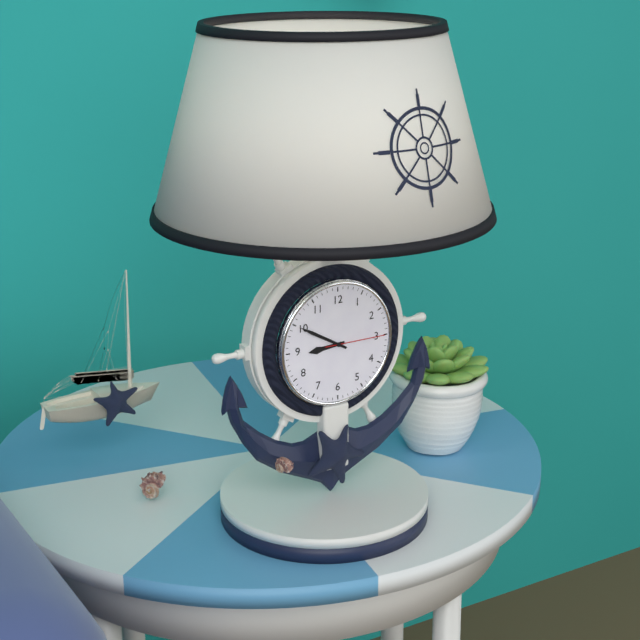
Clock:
8:50:15
